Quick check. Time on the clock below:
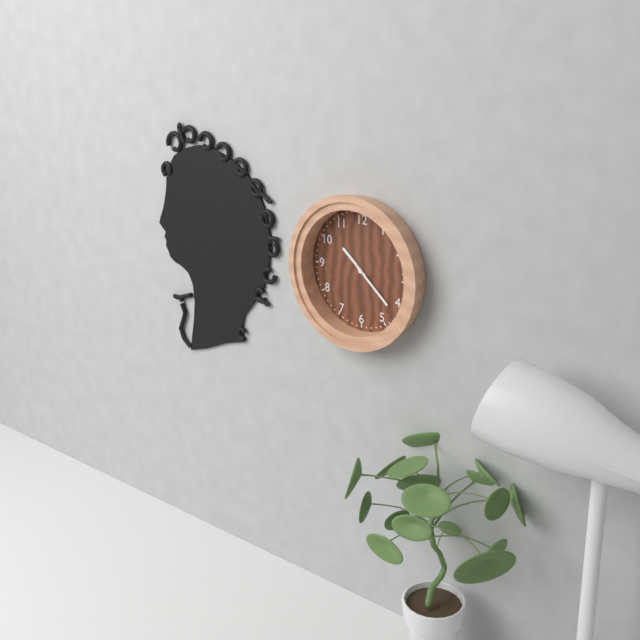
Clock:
10:22
